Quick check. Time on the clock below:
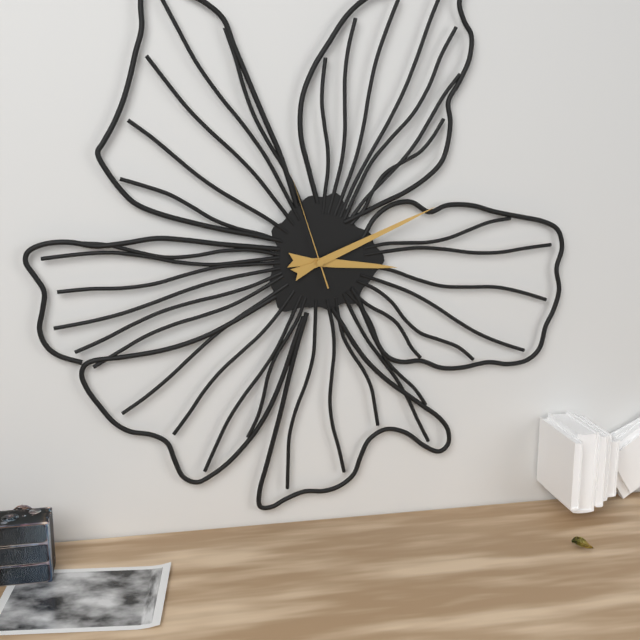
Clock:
3:11:57
